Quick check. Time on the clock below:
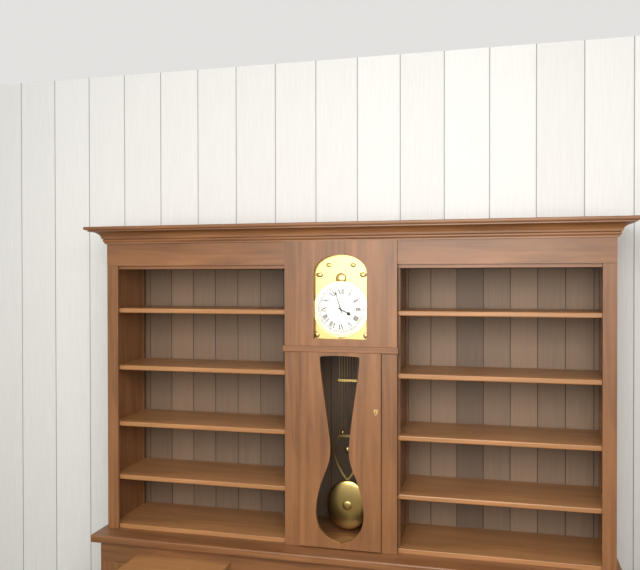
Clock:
3:57
